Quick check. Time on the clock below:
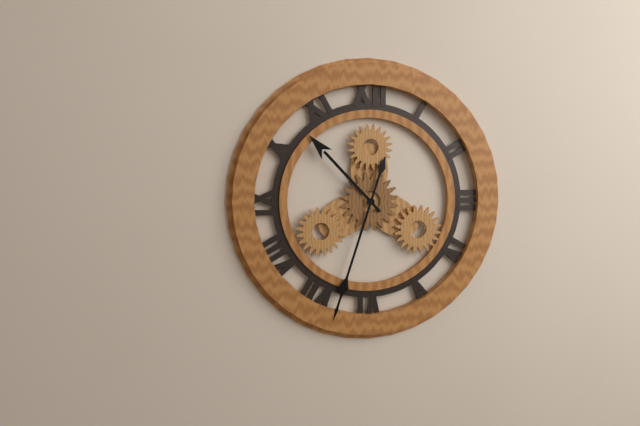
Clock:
10:33
